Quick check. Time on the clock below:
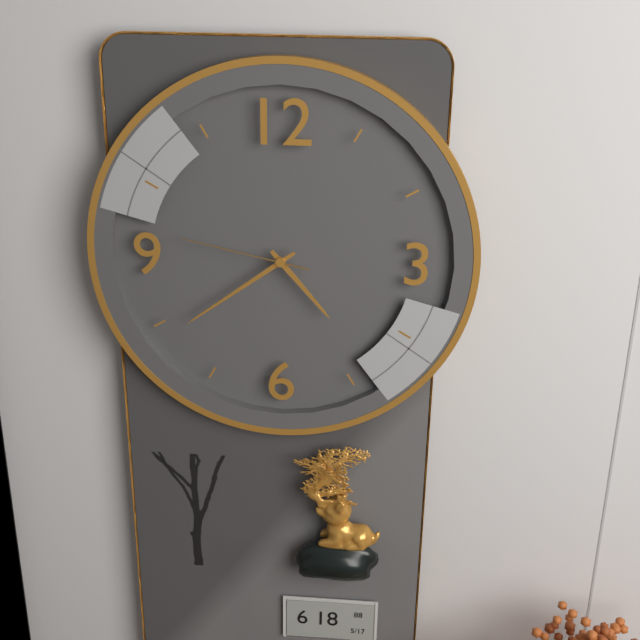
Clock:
4:39:47
